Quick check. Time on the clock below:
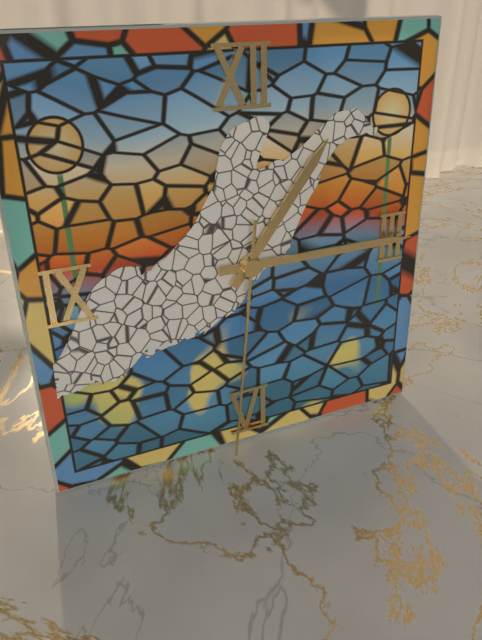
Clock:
1:15:31
